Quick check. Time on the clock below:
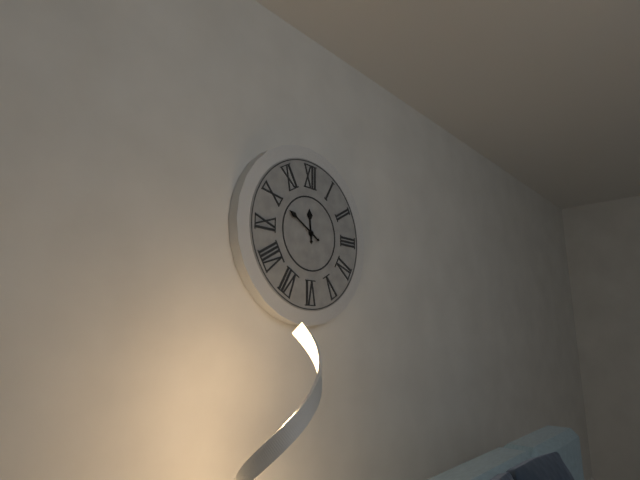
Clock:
11:50
